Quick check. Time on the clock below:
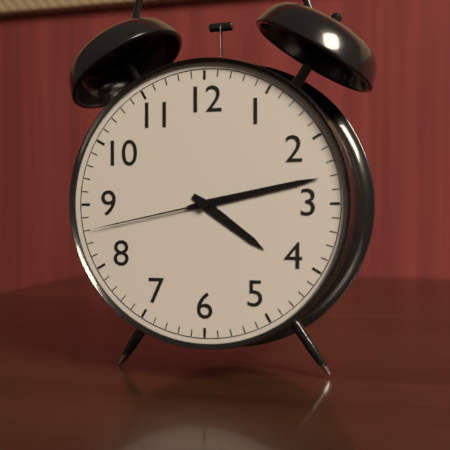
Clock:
4:13:43
